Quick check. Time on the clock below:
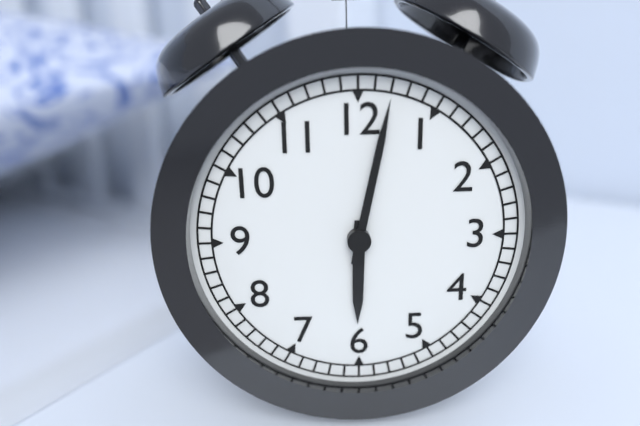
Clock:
6:02
